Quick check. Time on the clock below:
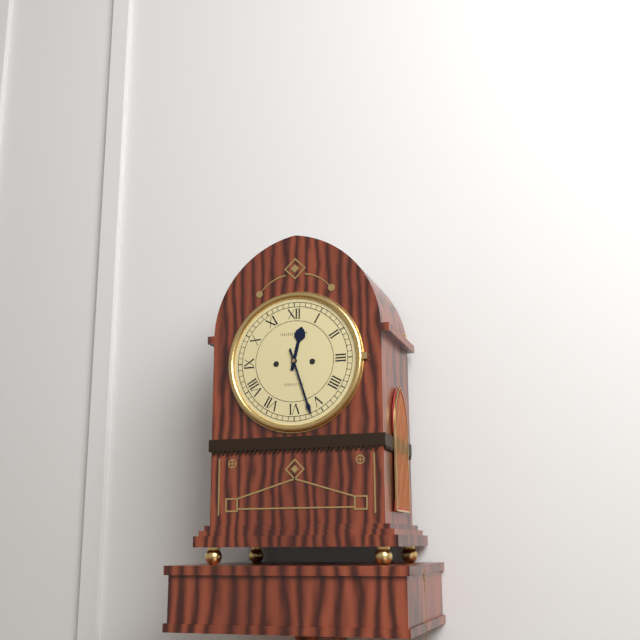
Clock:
12:27
